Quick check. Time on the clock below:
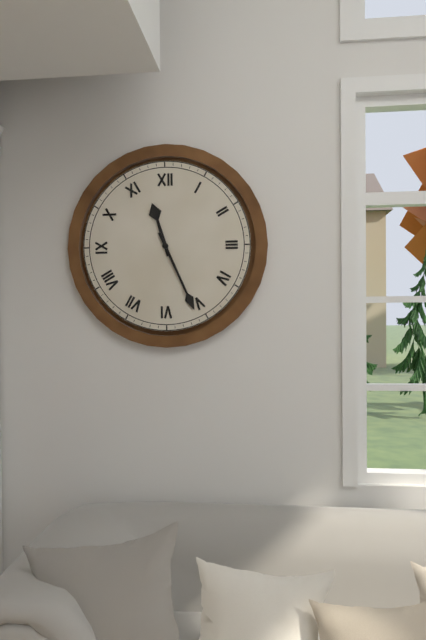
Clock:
11:26
